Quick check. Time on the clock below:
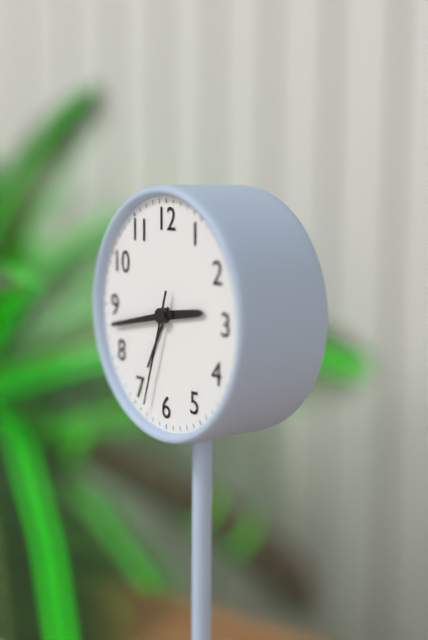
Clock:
2:43:33
